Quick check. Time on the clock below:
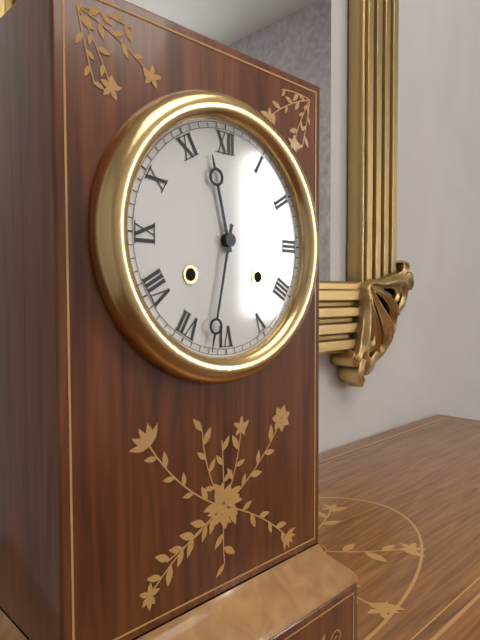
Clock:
11:32
